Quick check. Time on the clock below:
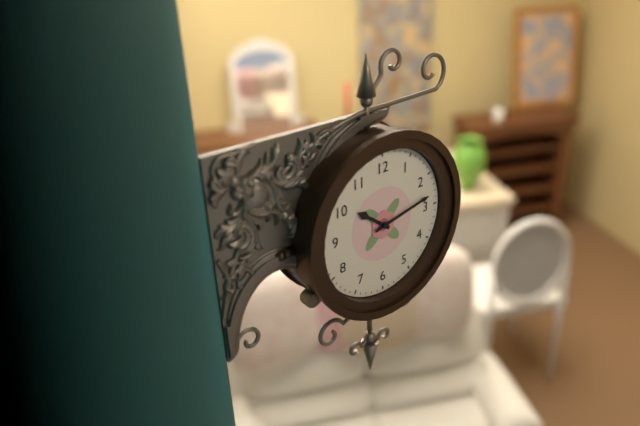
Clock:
10:13
